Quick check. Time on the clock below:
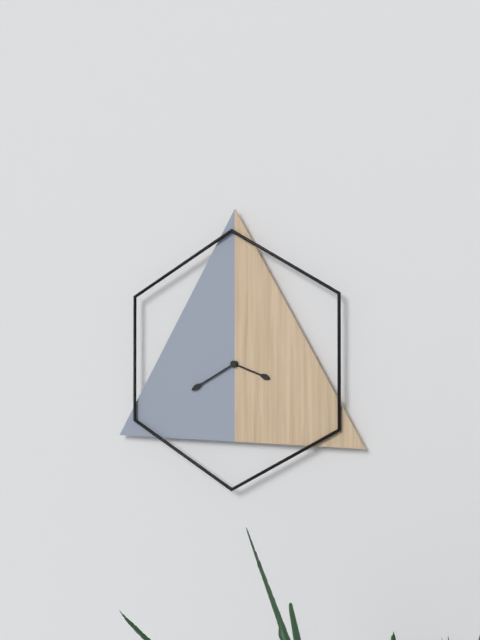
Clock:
3:40
